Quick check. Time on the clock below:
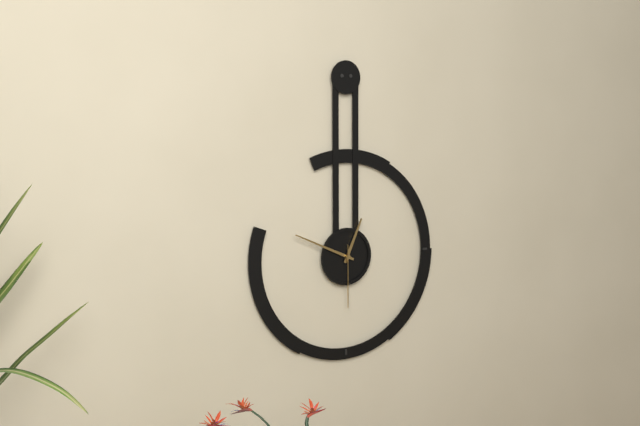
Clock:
12:49:30
